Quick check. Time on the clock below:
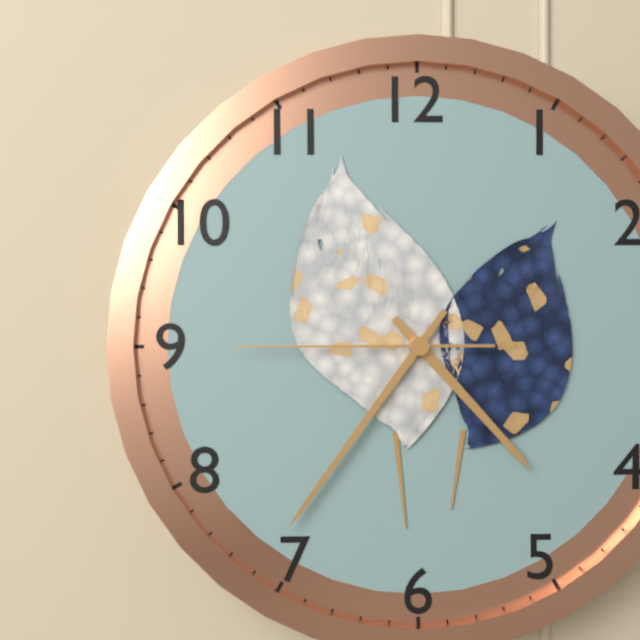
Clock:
4:36:45
